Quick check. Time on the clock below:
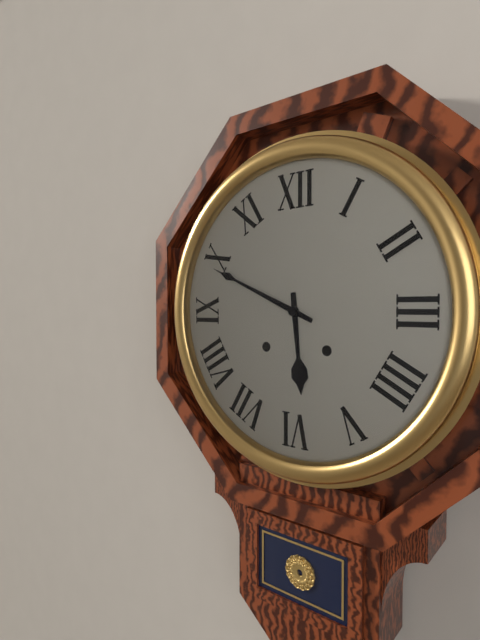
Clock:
5:49
